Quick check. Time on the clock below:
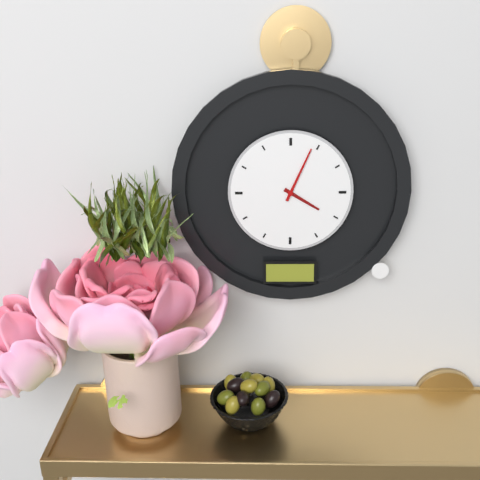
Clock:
4:04
